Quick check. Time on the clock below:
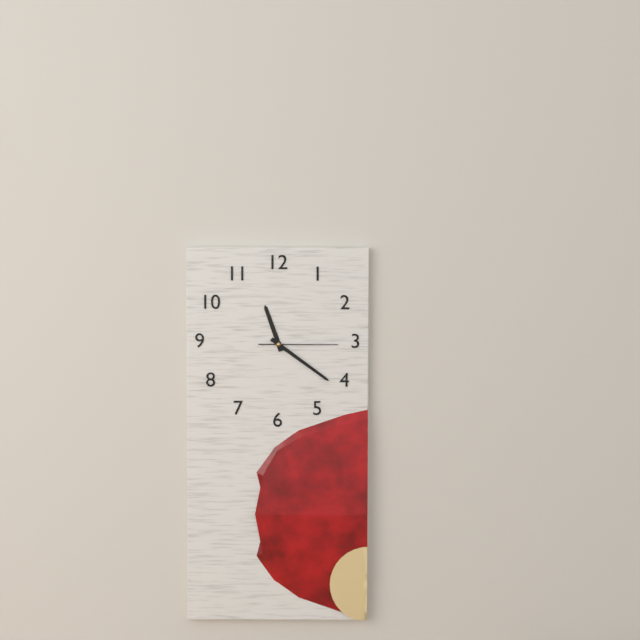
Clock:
11:21:15
